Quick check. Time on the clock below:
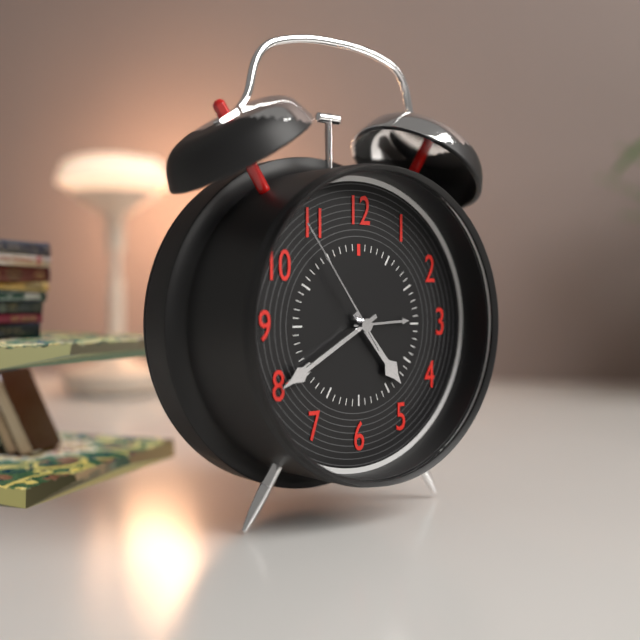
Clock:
4:40:54
